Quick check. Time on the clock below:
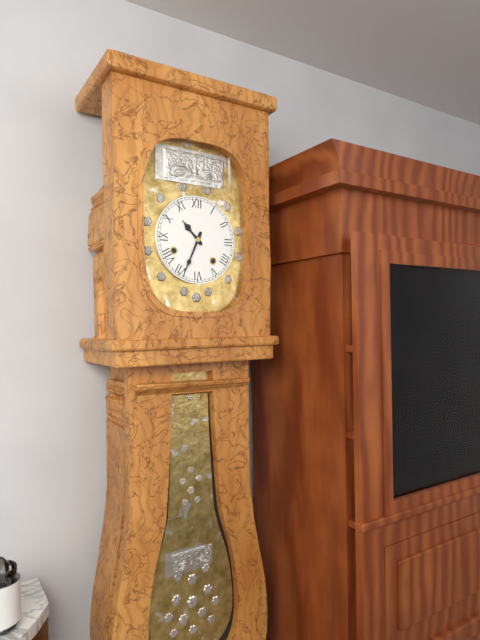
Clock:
10:34
